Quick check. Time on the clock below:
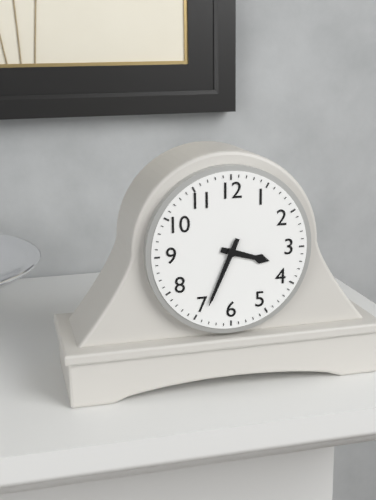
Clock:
3:34
